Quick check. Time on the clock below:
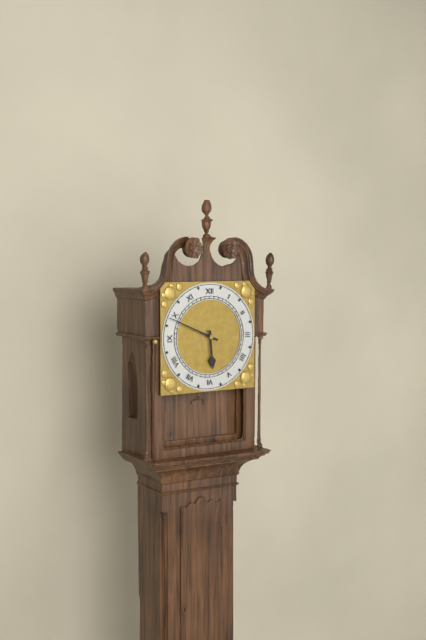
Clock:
5:49
